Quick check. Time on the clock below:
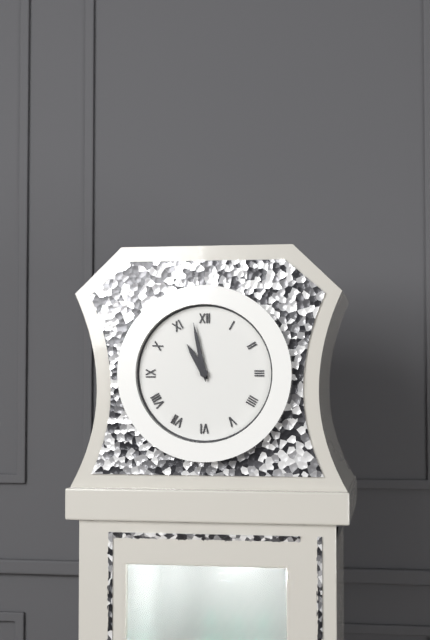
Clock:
10:58
